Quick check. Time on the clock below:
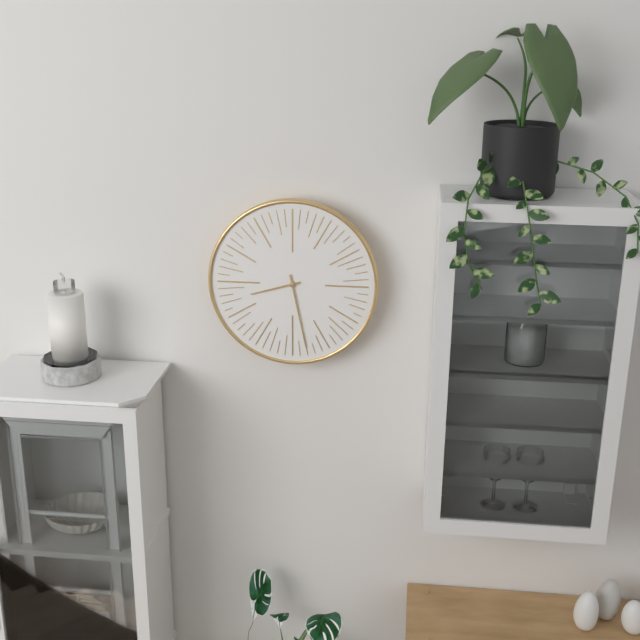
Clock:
8:28
